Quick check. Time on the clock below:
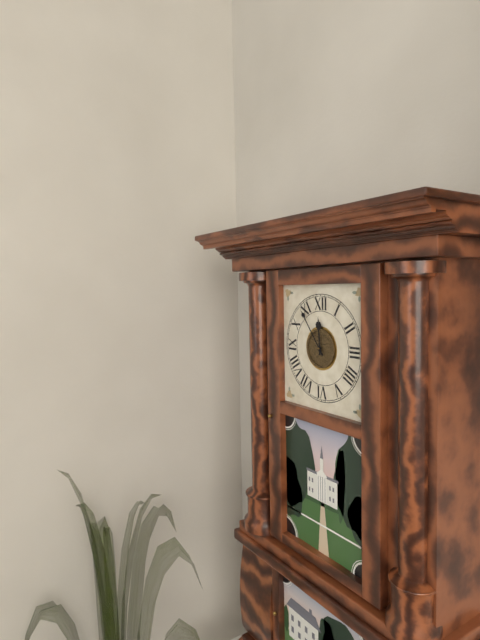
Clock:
11:54
